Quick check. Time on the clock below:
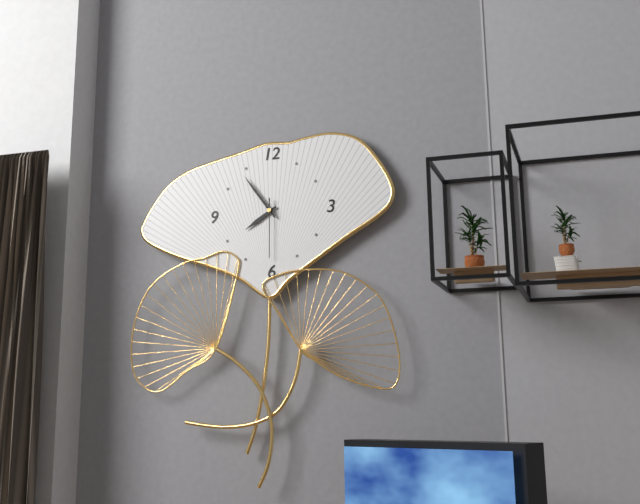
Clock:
7:54:30
